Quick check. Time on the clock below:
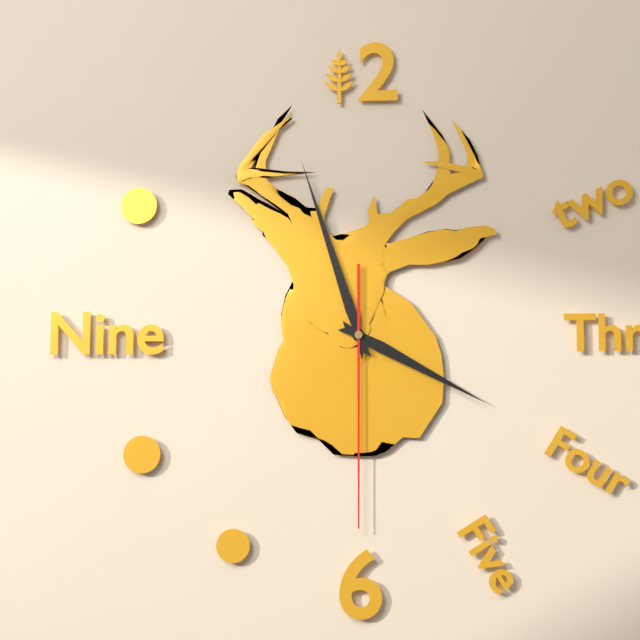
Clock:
3:57:30
